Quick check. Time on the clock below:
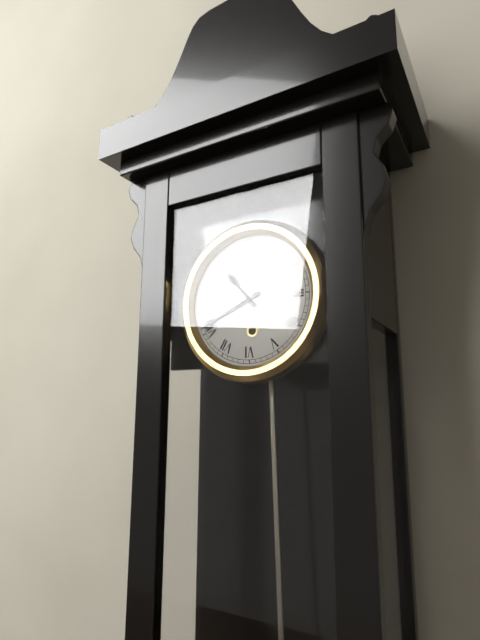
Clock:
10:41
